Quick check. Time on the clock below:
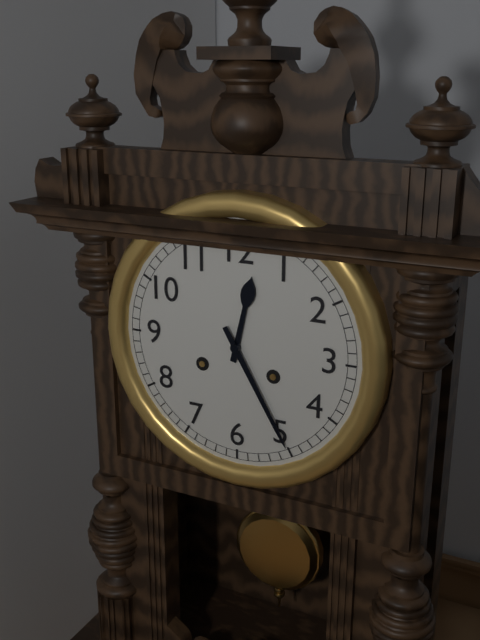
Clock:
12:25
